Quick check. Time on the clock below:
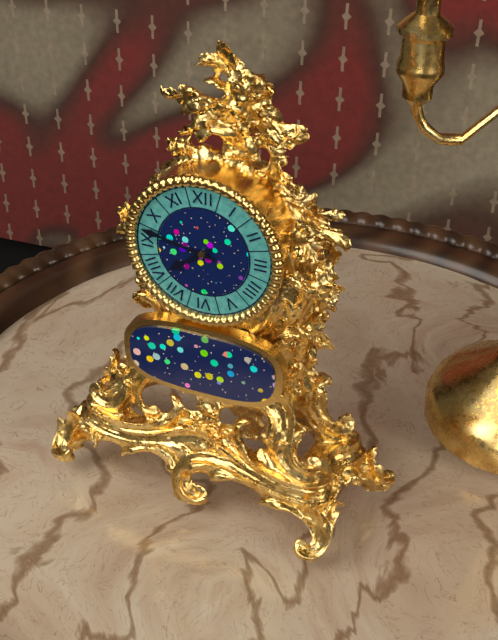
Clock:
7:47
